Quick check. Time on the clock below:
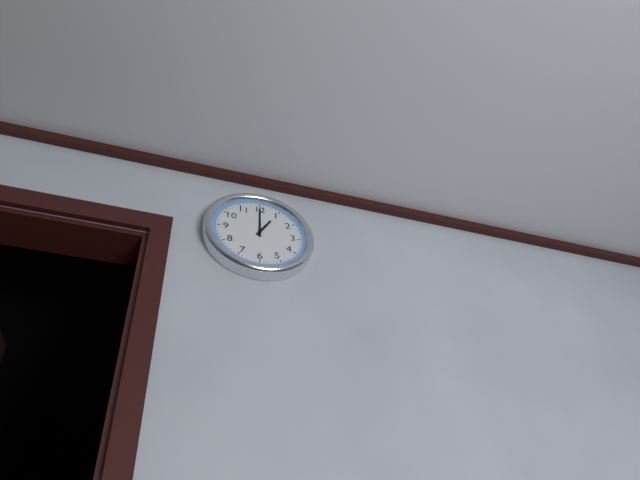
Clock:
1:00
